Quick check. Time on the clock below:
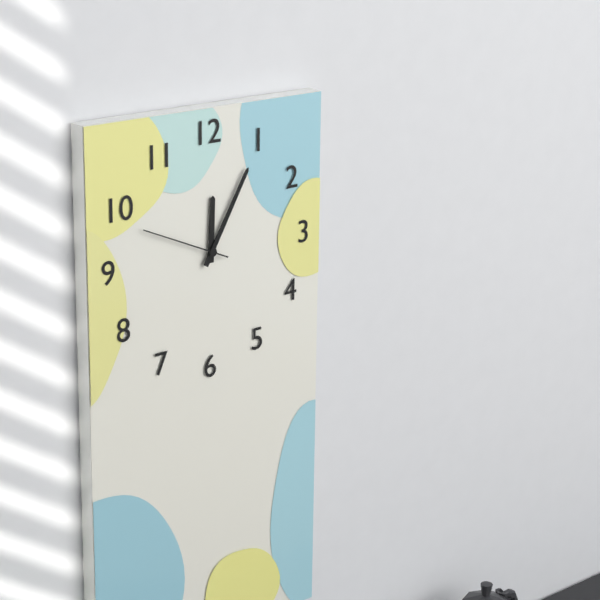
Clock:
12:05:49
